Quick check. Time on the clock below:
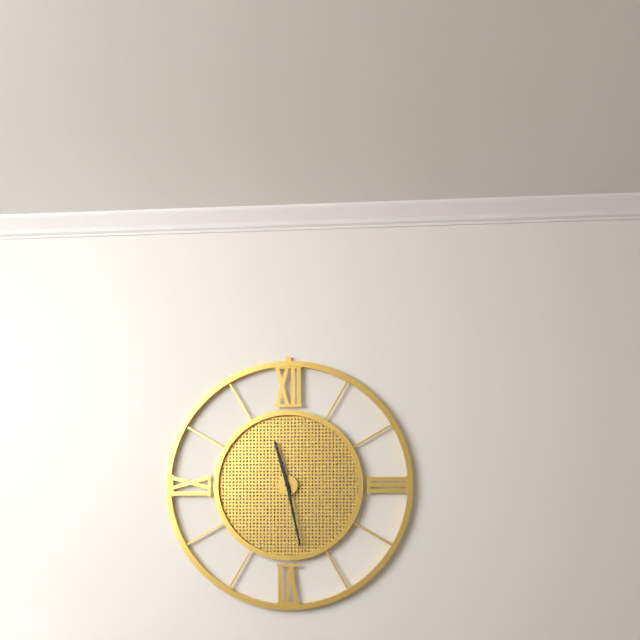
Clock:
11:28
